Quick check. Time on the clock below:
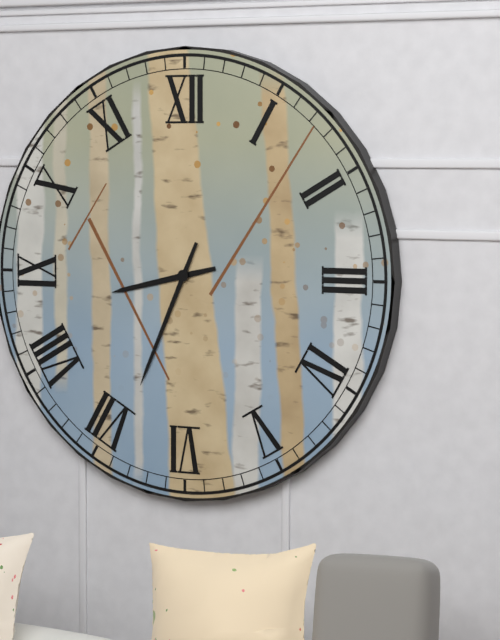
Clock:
8:34
